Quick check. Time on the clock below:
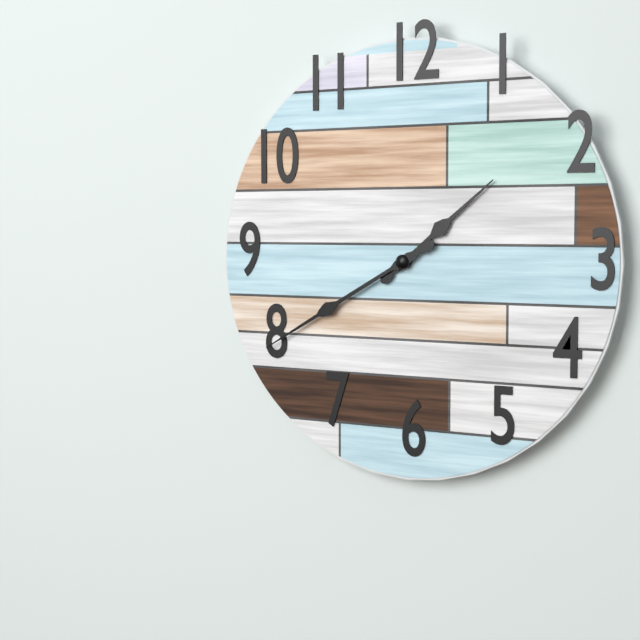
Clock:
1:40
